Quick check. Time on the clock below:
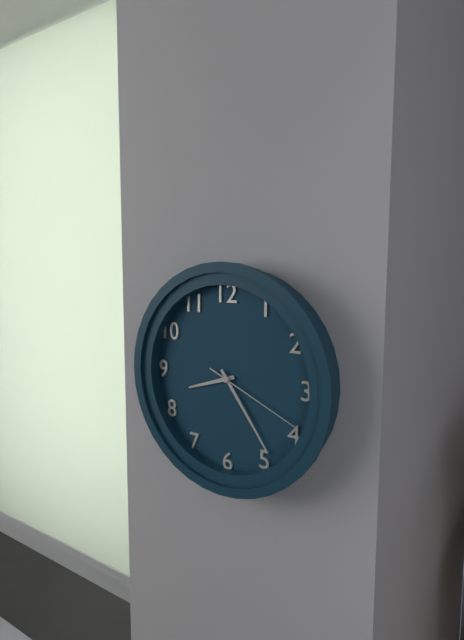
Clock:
8:24:19
